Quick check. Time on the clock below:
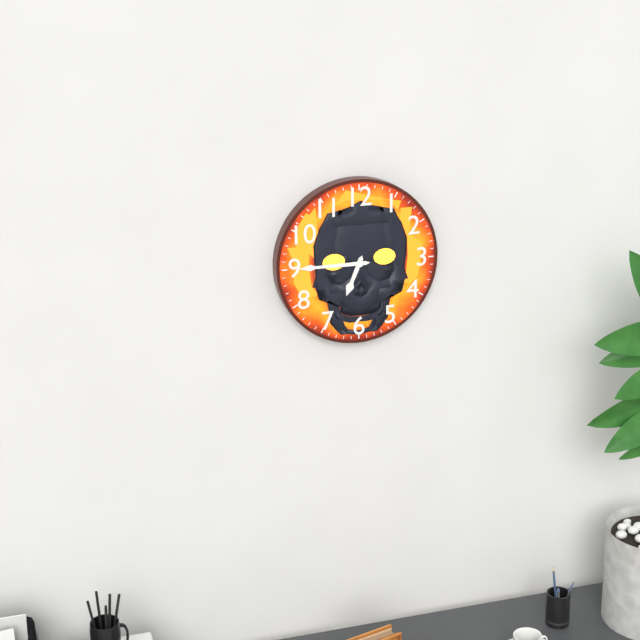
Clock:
6:45
